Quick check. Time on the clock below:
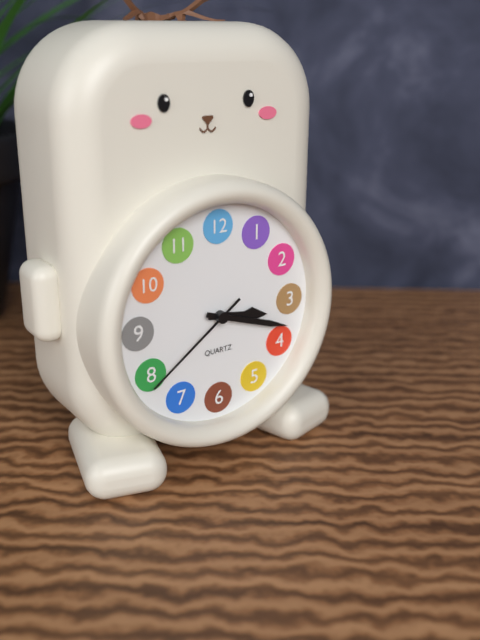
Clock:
3:18:39
